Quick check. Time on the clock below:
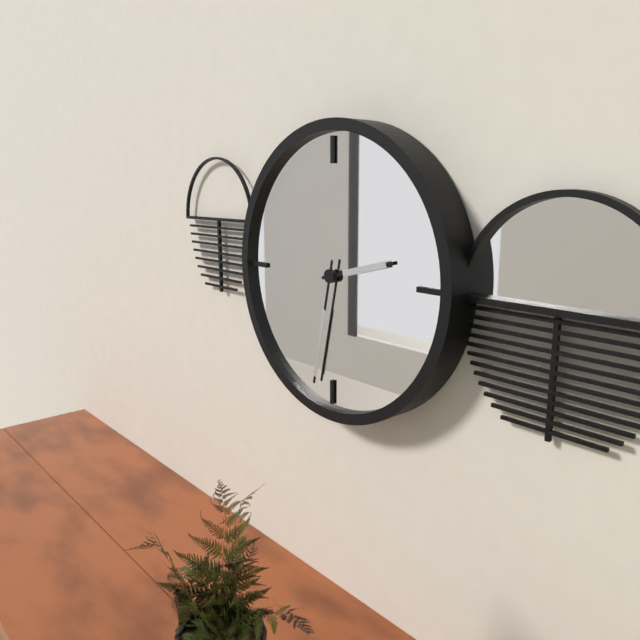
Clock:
2:32
